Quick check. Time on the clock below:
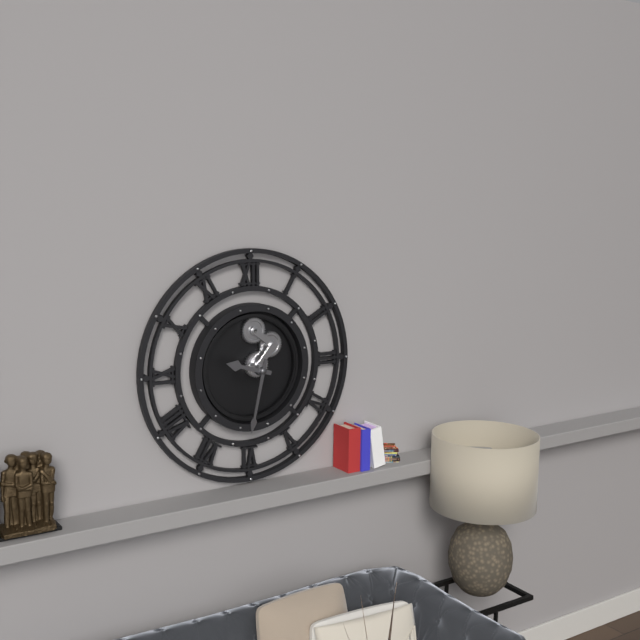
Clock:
9:32
